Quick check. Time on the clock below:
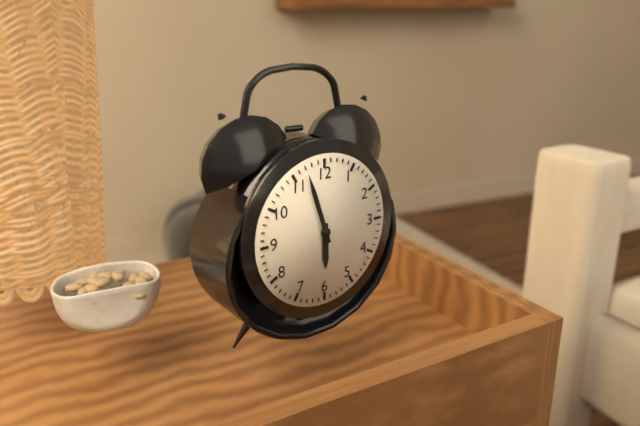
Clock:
5:57
